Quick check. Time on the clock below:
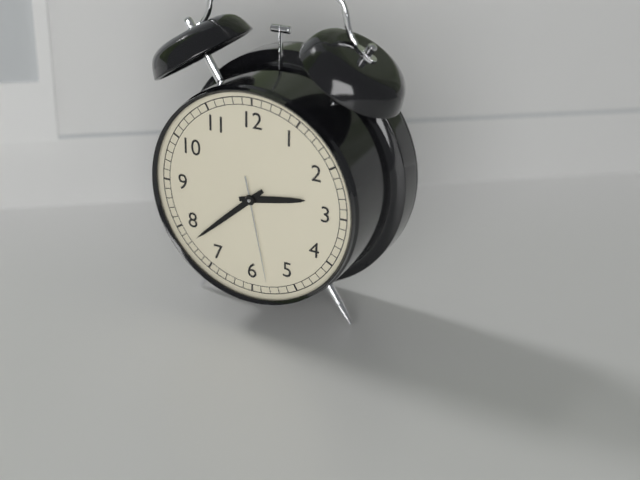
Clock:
2:38:28
